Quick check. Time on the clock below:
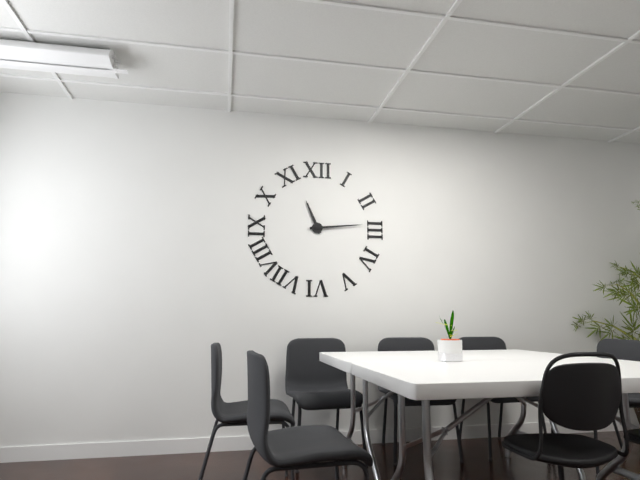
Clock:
11:14
